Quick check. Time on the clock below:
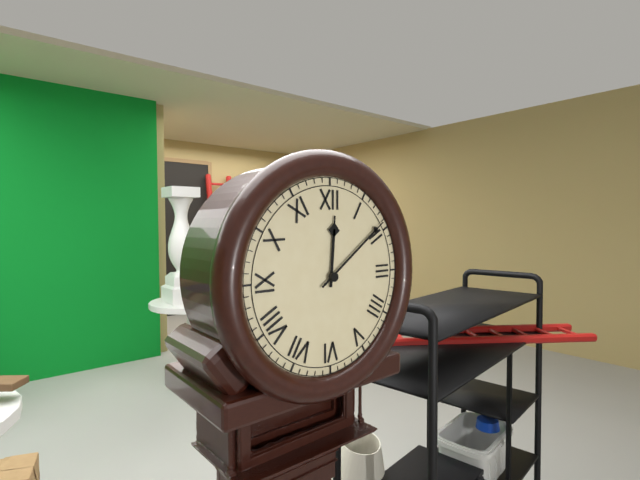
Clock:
12:09
